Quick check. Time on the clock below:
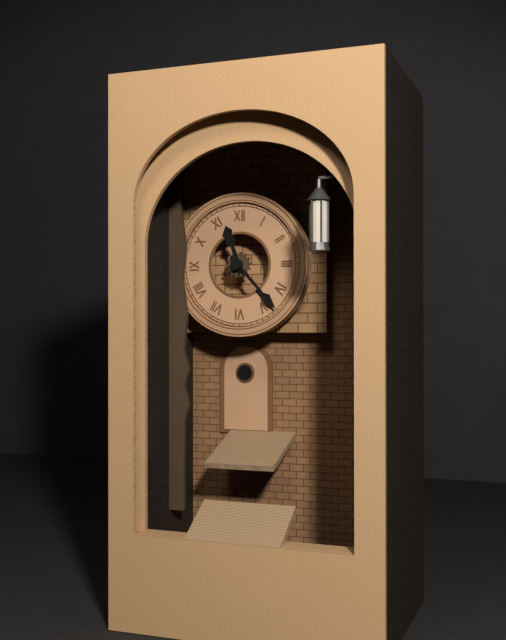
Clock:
11:23
